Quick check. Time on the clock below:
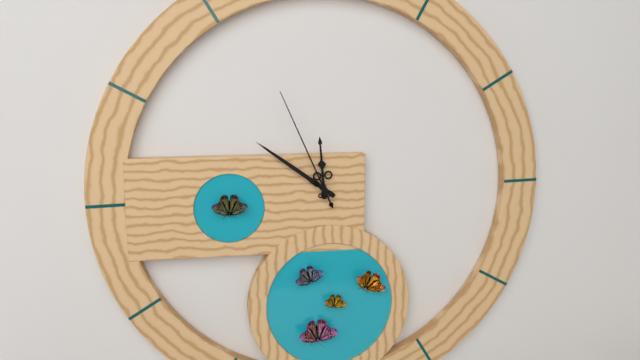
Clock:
11:51:56
